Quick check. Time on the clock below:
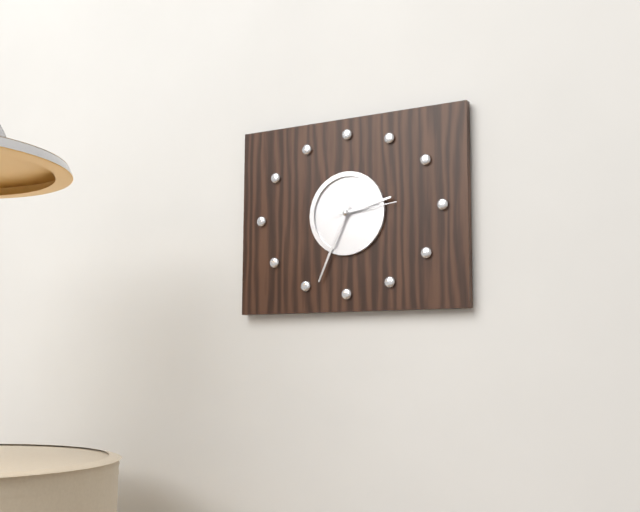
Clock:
2:34:14
